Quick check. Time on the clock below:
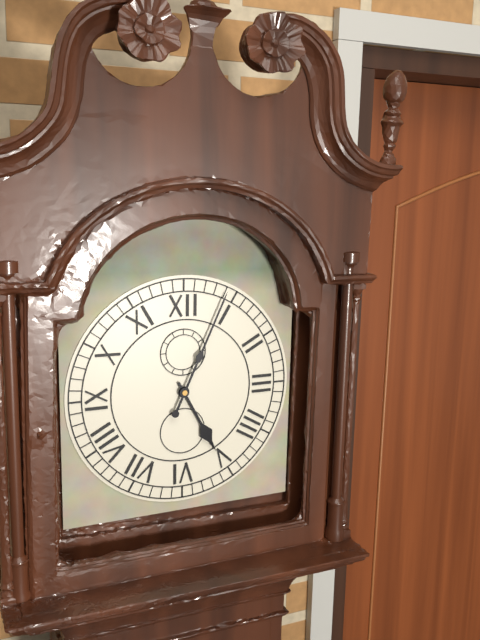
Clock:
5:04
